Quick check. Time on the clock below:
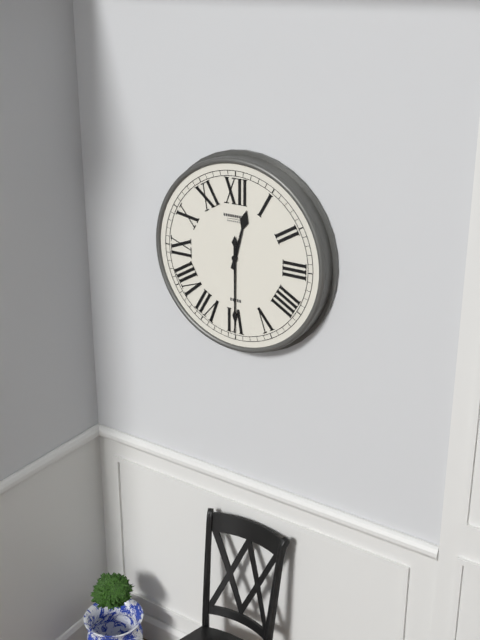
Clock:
12:30
